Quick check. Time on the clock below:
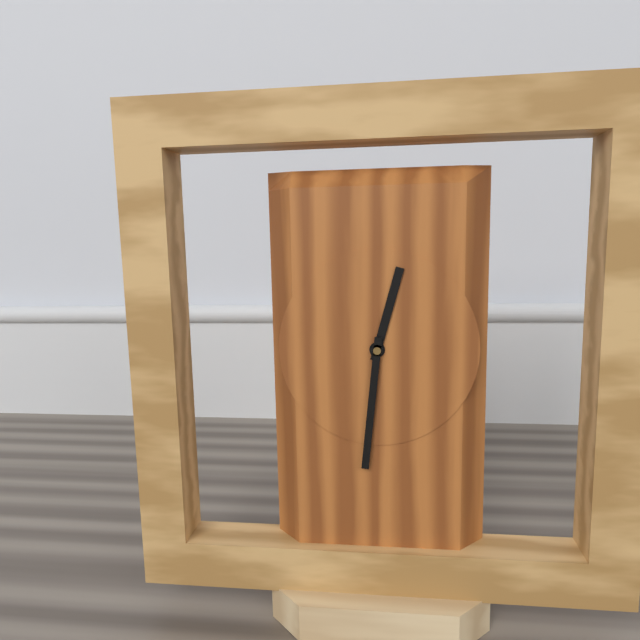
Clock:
12:31
